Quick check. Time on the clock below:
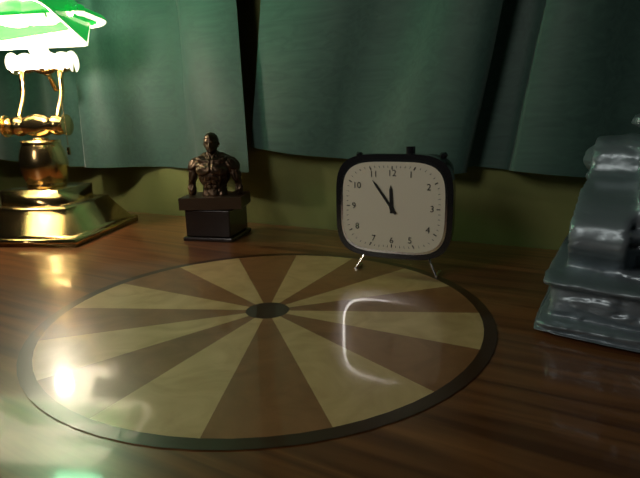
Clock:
11:54
